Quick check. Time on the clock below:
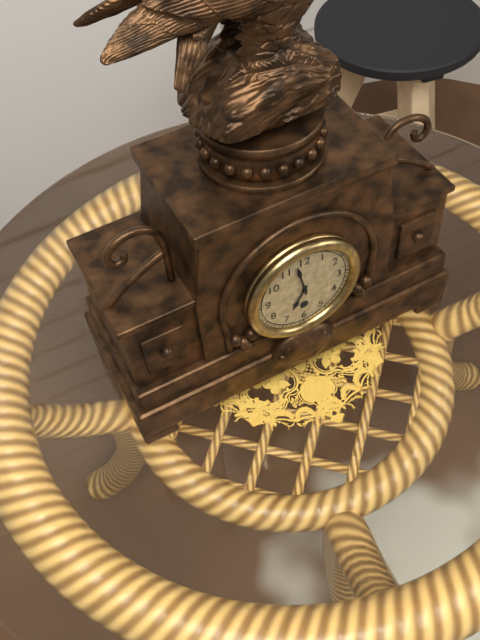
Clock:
6:58
